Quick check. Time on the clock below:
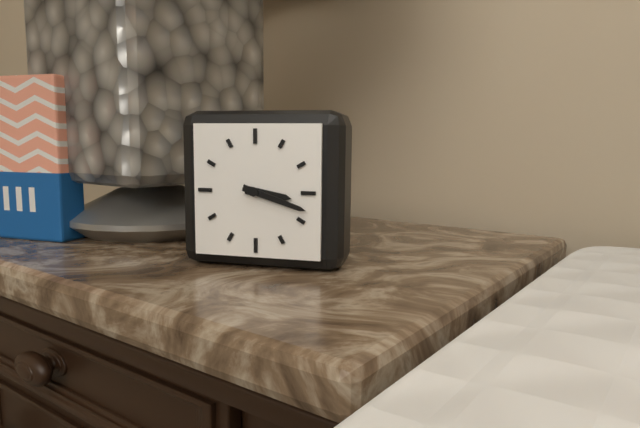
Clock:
3:18
